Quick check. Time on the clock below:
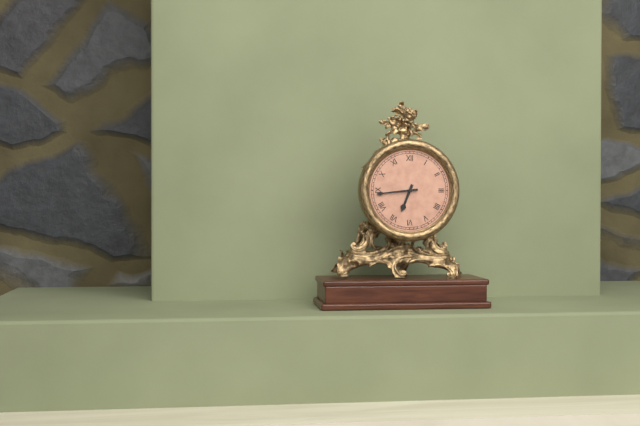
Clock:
6:44
